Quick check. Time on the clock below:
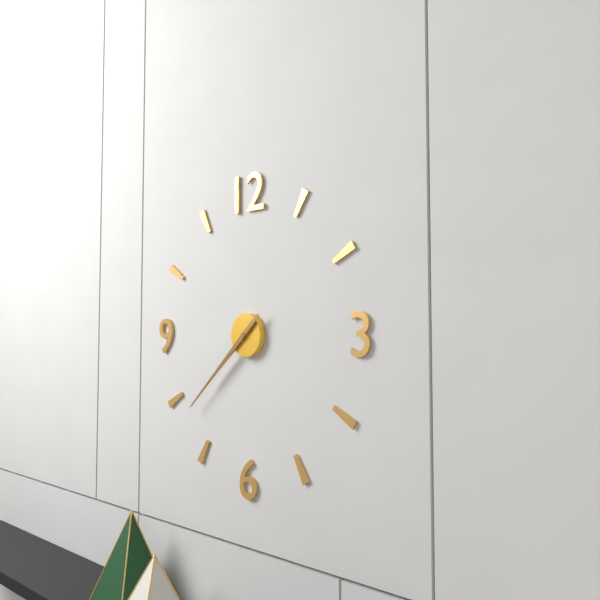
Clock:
7:38
